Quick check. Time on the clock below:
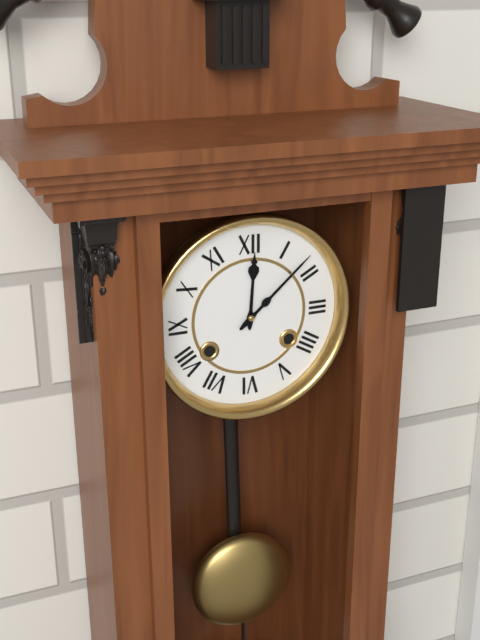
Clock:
12:08
